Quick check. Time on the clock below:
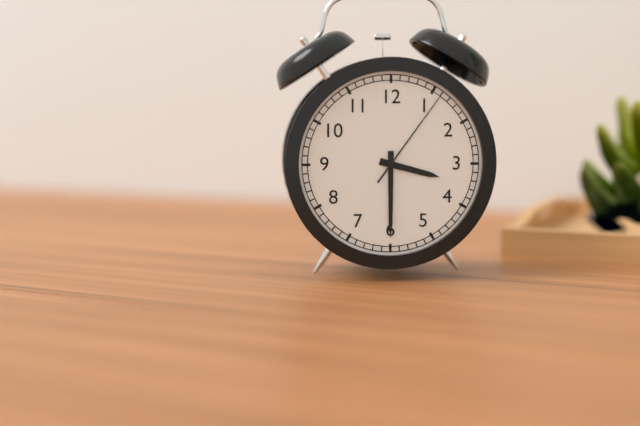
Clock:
3:30:06
